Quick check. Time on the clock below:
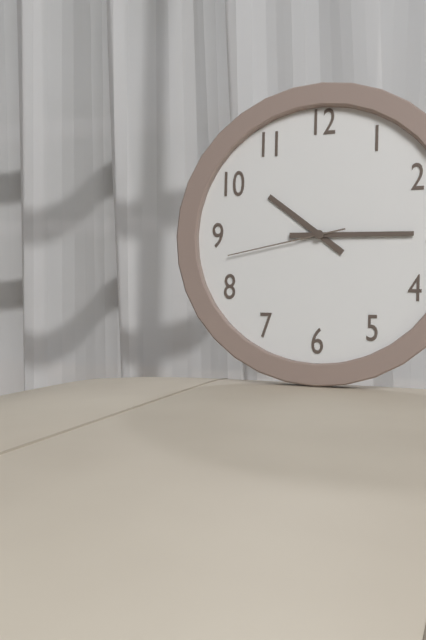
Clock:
10:15:43
